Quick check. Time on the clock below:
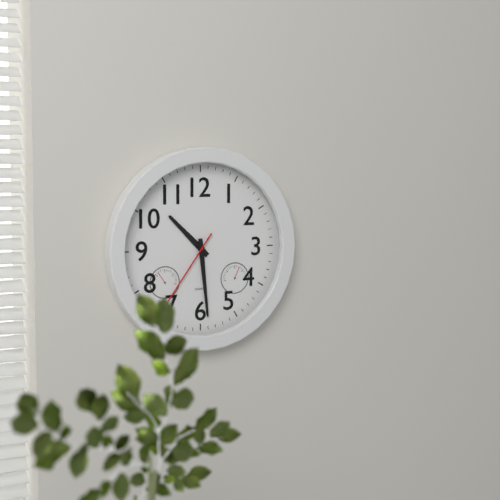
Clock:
10:29:36
